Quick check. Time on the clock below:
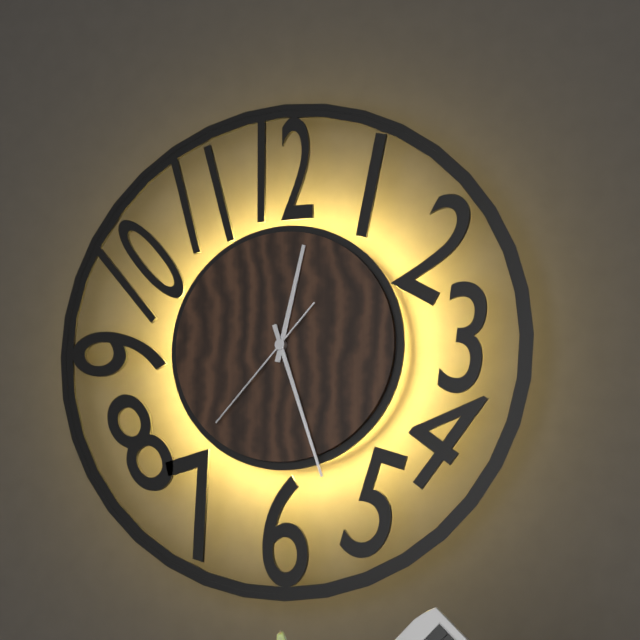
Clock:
12:27:37
